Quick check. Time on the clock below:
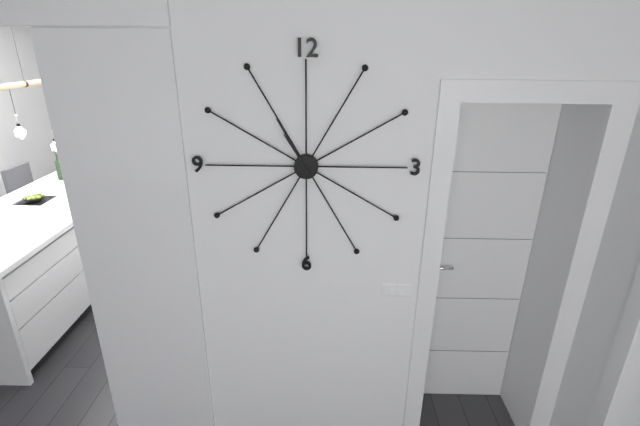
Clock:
10:55
